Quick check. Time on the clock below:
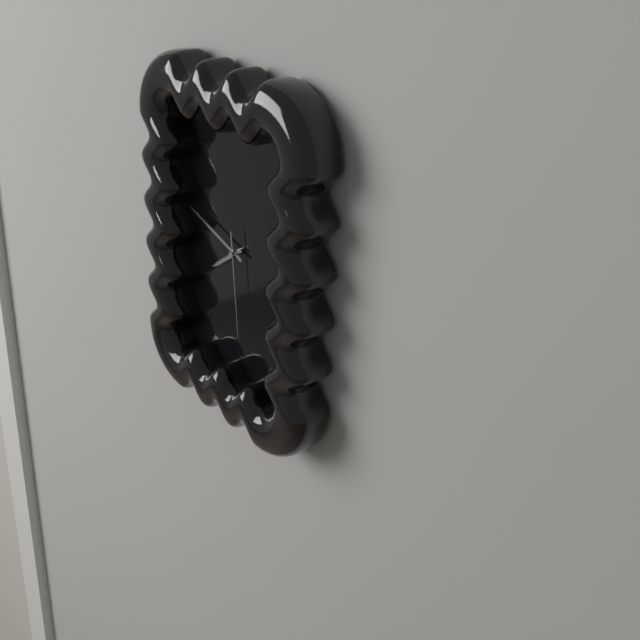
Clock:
7:48:29
